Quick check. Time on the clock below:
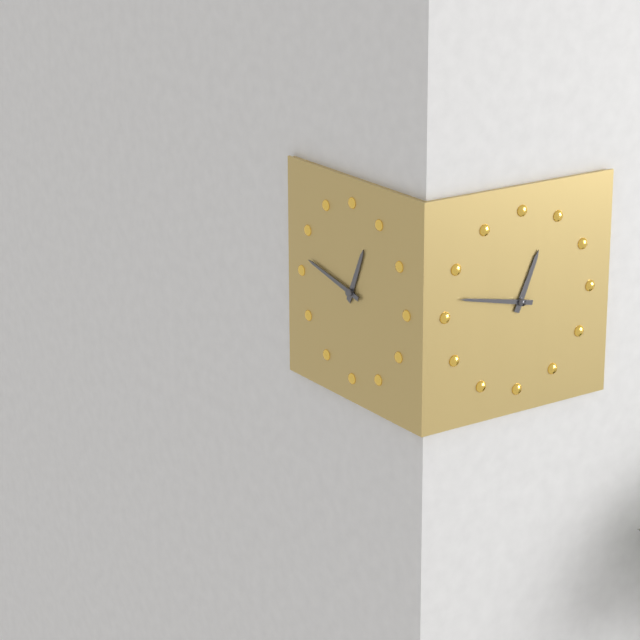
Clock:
12:47
